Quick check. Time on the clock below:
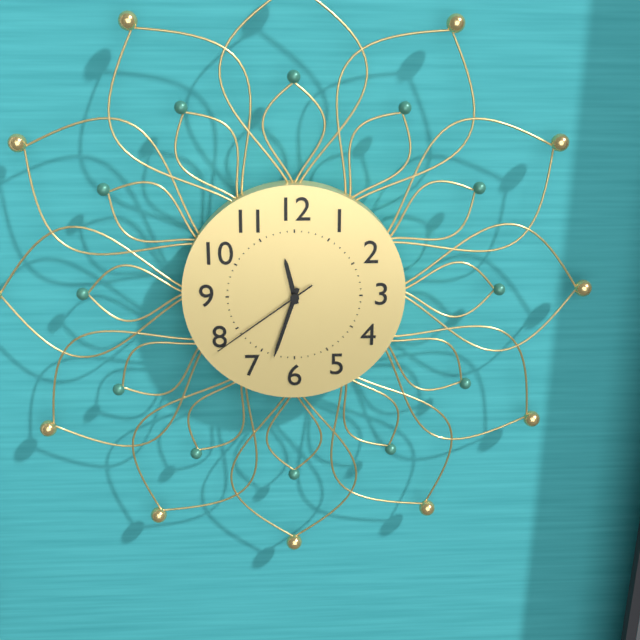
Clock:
11:33:39
